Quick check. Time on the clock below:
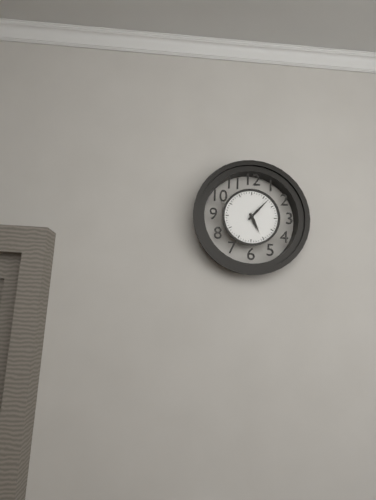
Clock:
5:07
